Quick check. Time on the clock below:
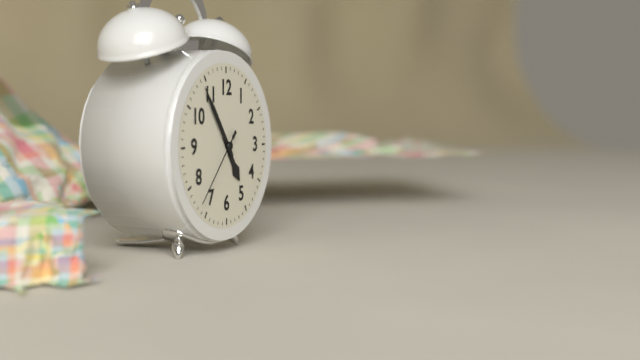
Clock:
4:54:37
